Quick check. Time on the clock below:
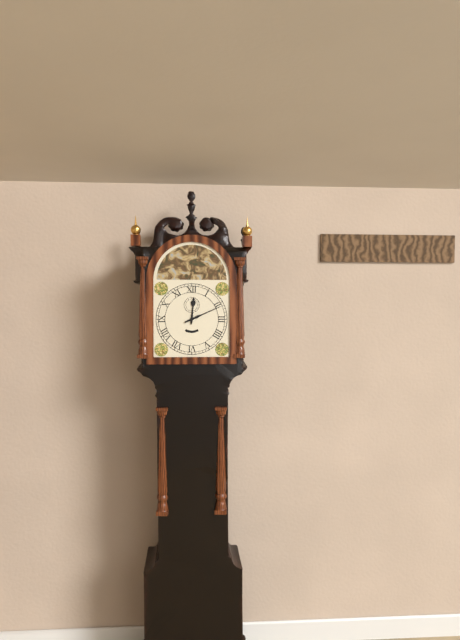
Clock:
12:11
